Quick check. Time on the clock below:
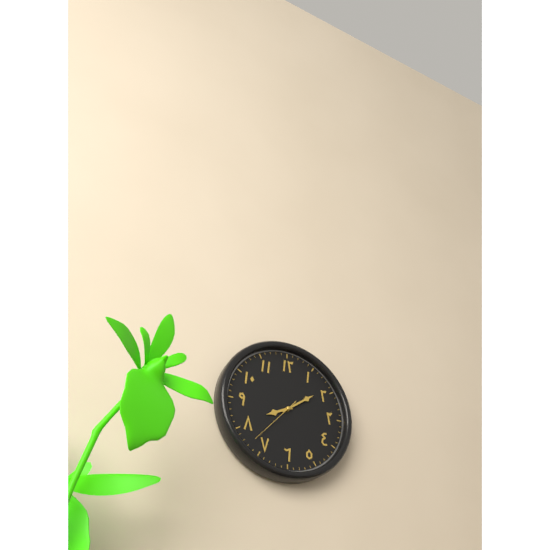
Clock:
8:09
